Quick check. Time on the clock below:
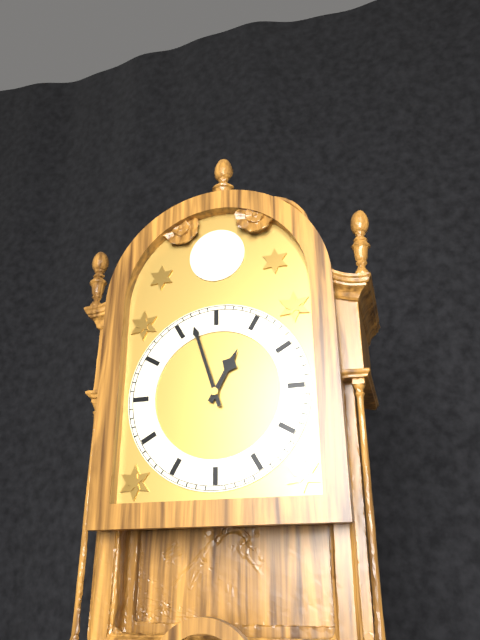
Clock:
12:57
